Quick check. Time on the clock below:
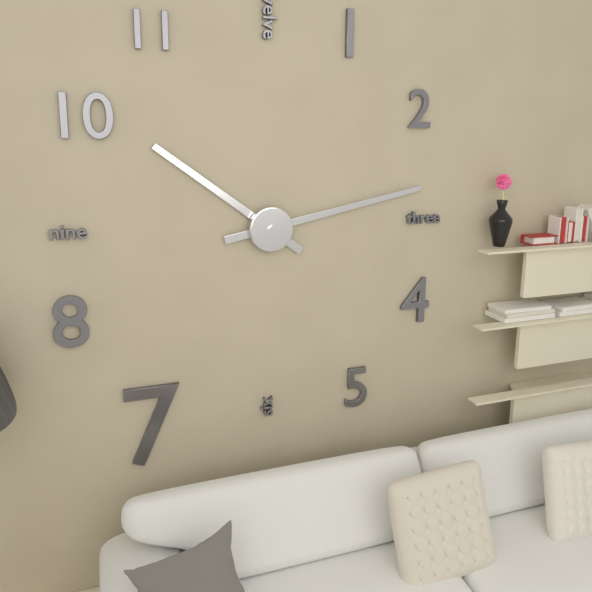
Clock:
10:13
